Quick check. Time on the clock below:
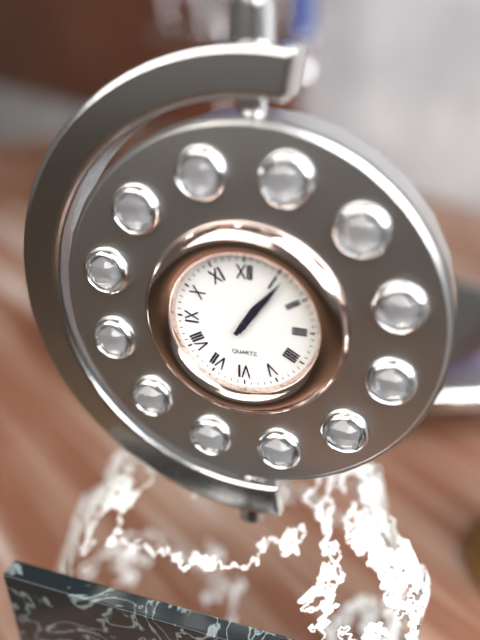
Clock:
1:06
